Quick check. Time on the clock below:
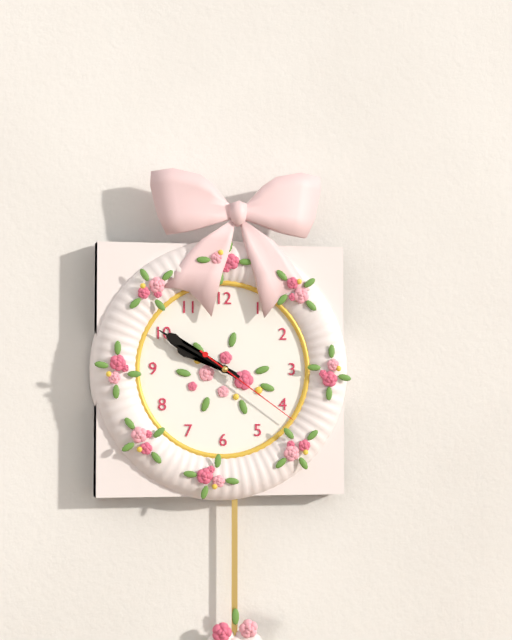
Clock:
9:50:21
